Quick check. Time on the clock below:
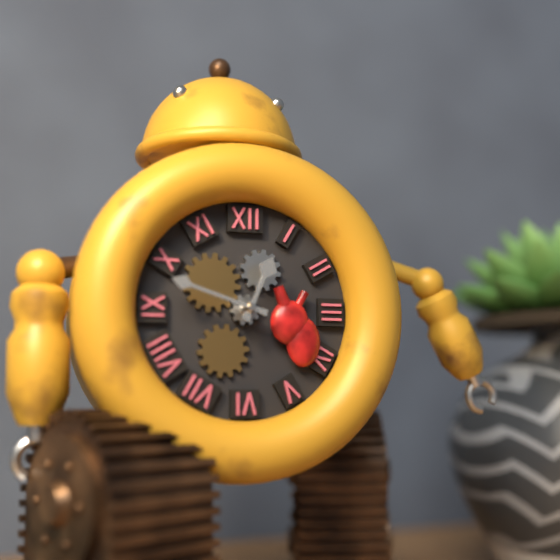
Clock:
12:48
